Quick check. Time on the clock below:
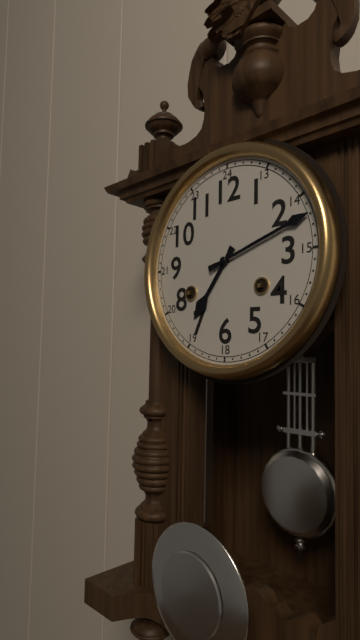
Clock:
7:12
